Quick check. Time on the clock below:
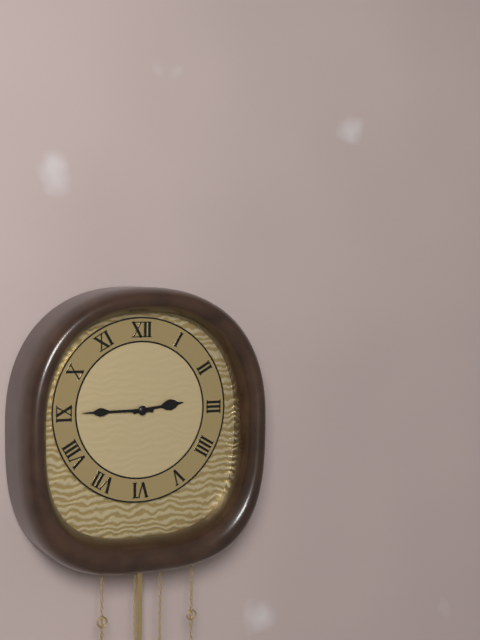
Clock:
2:45
